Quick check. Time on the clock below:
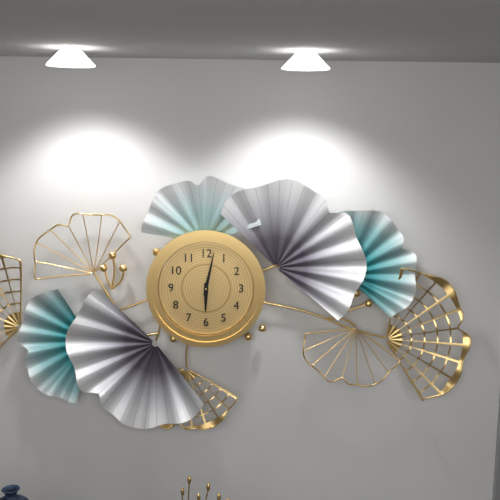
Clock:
6:02
